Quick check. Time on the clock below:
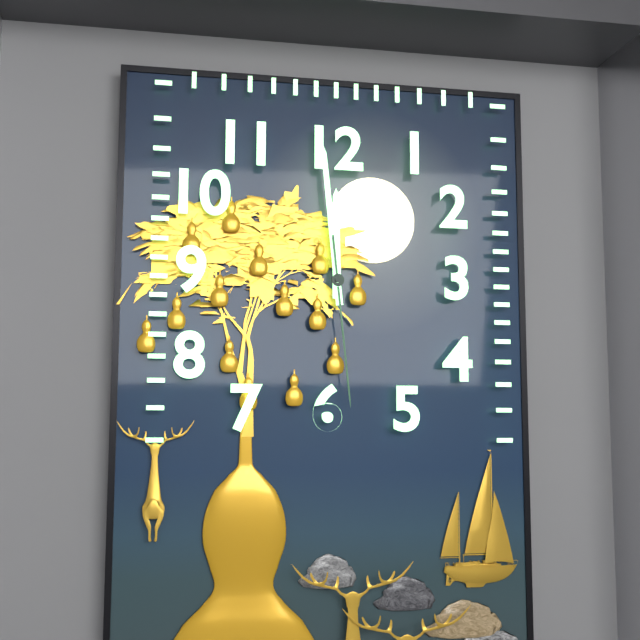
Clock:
11:59:29
